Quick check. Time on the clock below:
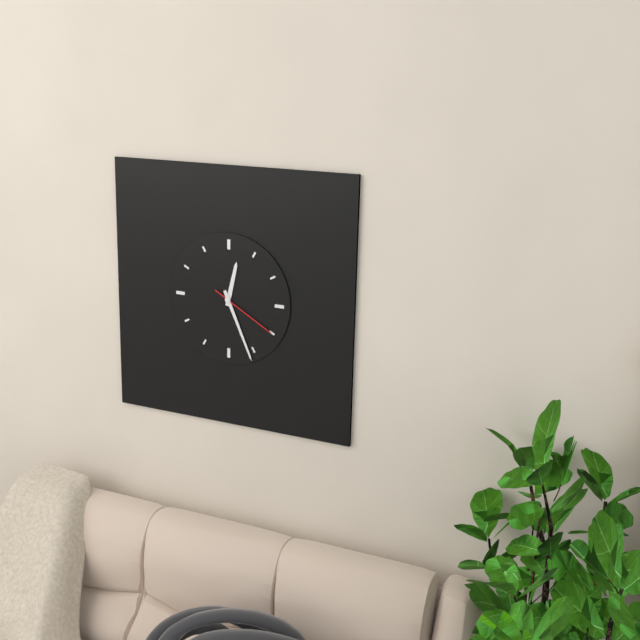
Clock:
12:26:20
